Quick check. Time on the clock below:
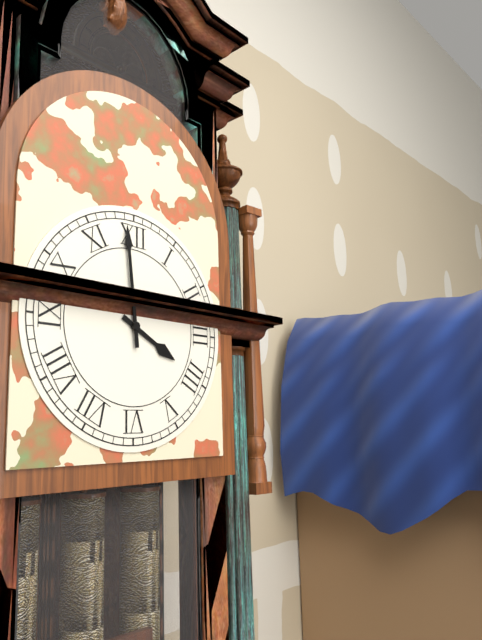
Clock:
3:59
